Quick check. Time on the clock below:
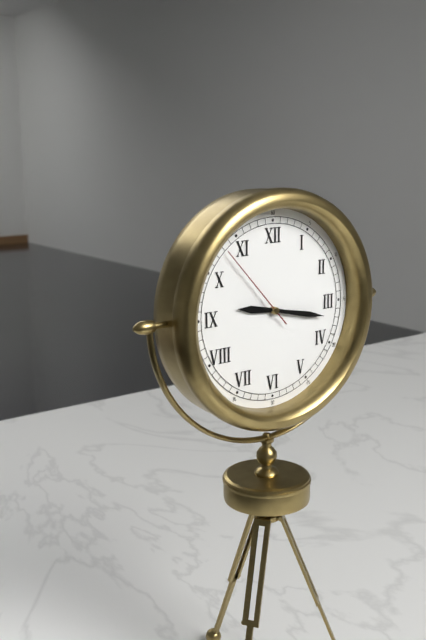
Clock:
9:17:53
